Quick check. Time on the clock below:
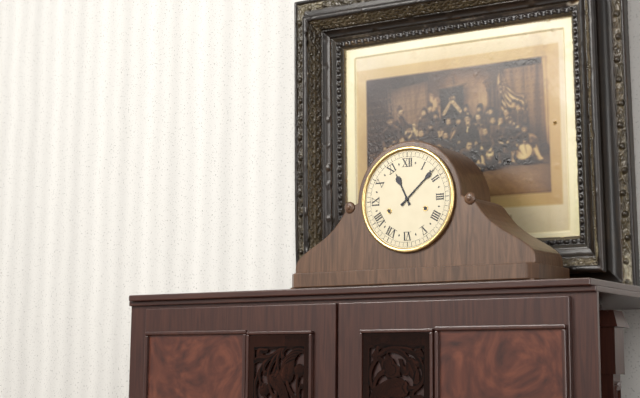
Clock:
11:08
